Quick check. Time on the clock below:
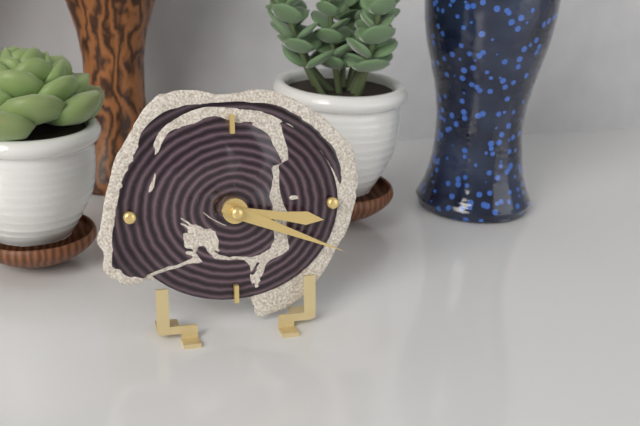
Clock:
3:19
